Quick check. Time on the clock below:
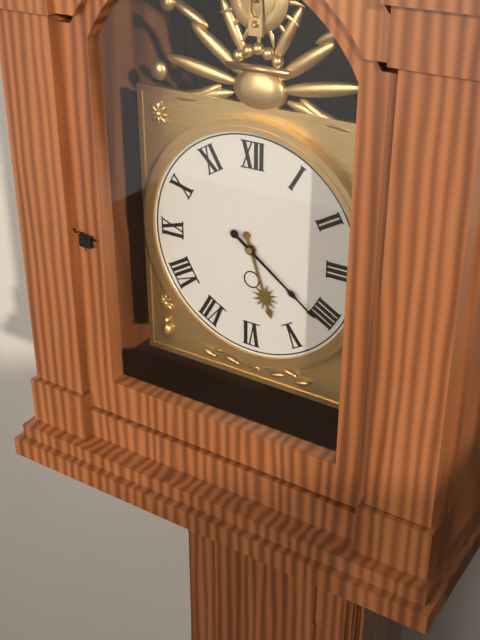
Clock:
5:21
